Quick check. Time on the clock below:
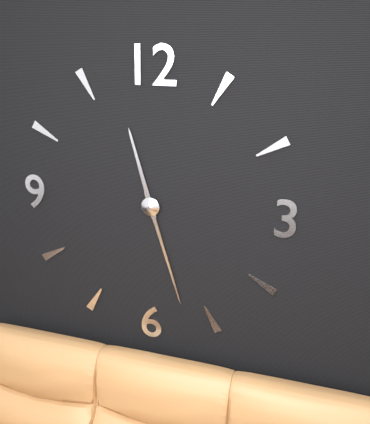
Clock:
11:27
